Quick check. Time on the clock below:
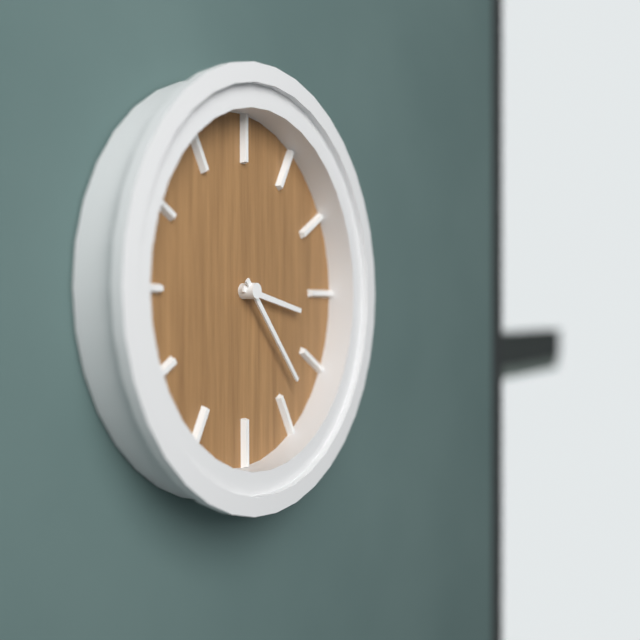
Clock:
3:23
